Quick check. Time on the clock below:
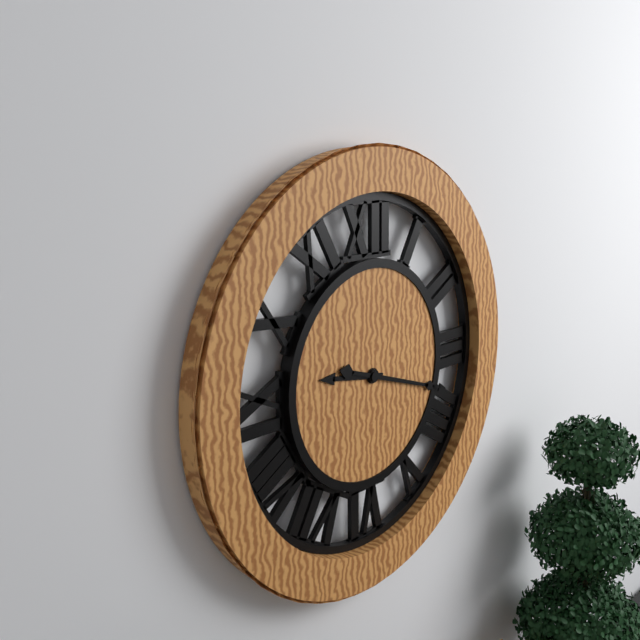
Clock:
9:18
